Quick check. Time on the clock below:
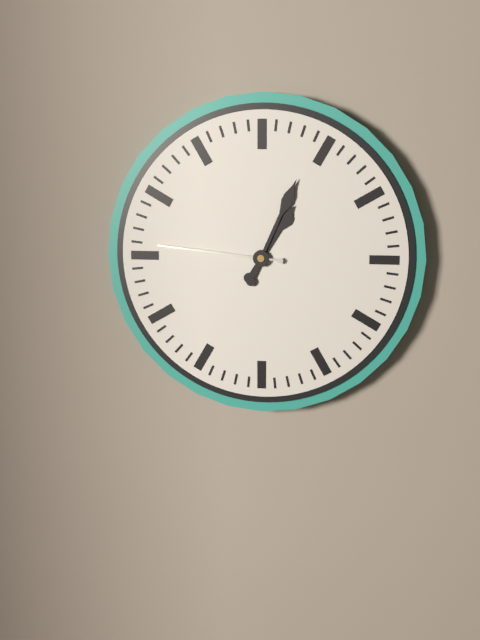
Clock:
1:04:46
